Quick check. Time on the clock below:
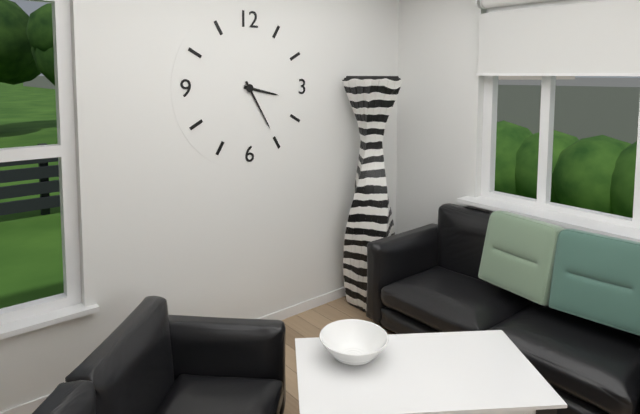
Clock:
3:25
